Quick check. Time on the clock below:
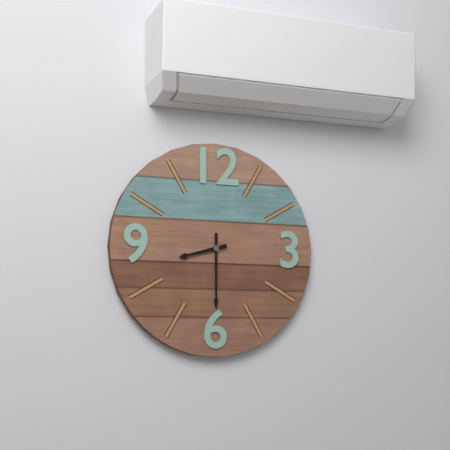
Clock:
8:30
